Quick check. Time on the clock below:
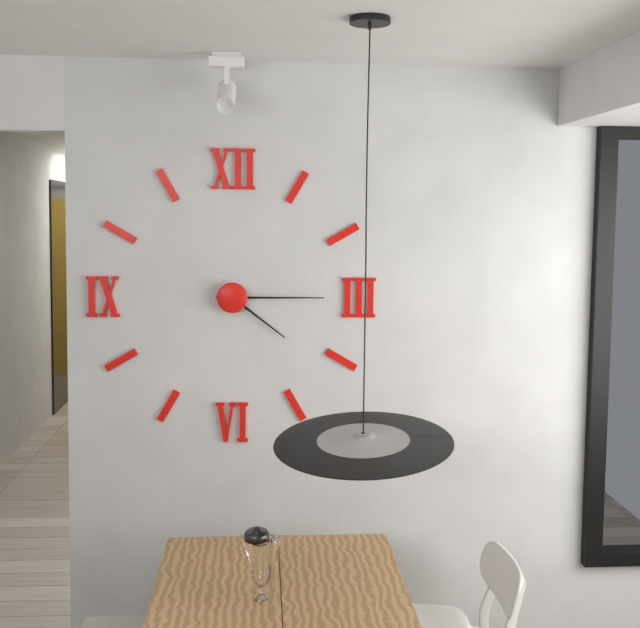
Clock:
4:15
